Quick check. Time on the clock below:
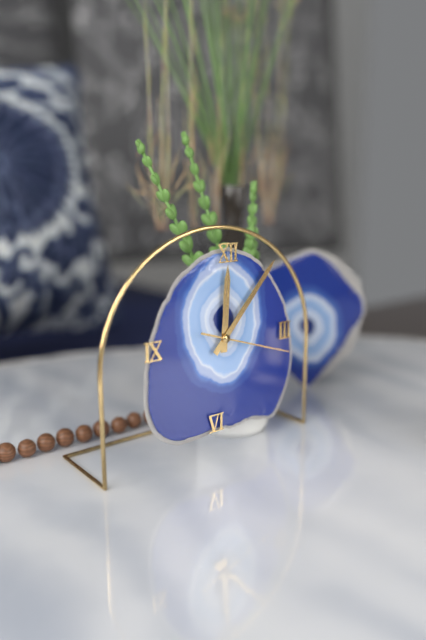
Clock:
12:07:18
